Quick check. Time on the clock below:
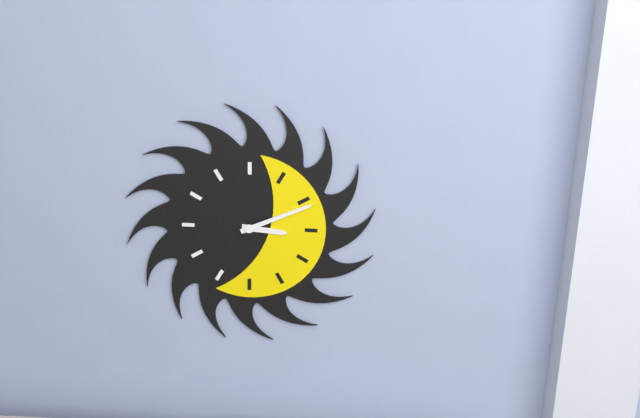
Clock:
3:11
